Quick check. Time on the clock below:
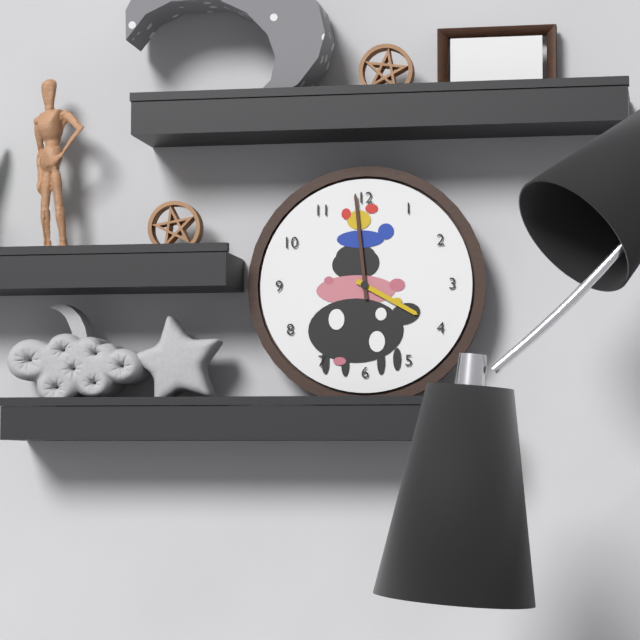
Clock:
3:59
